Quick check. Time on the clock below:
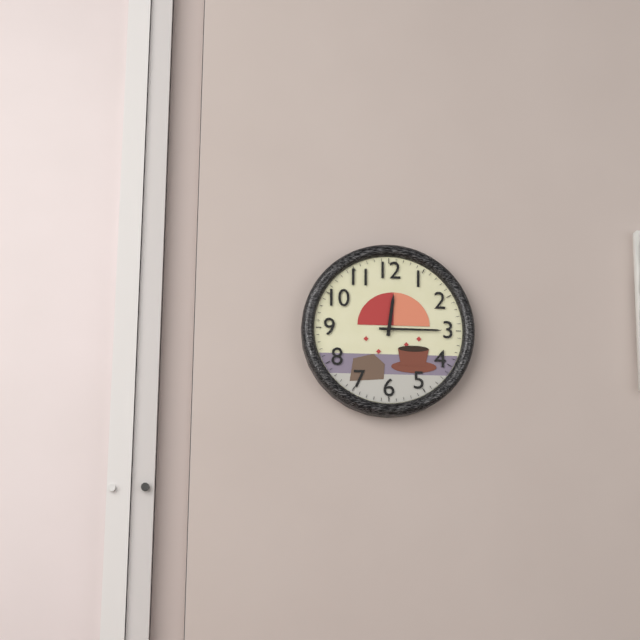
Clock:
12:15
